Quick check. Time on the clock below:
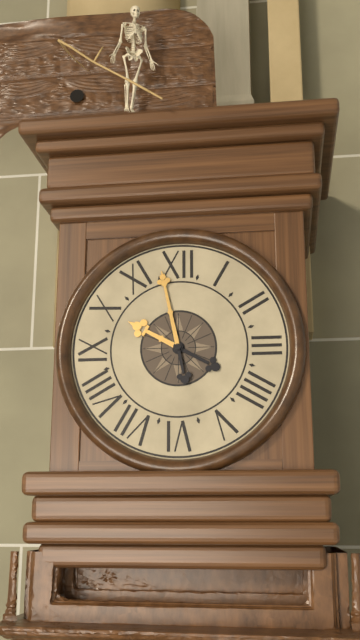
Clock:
9:58
